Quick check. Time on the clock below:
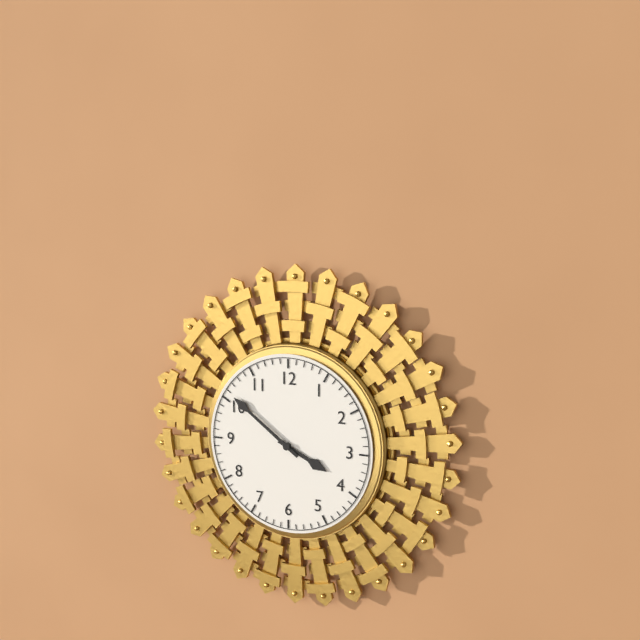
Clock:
3:51
